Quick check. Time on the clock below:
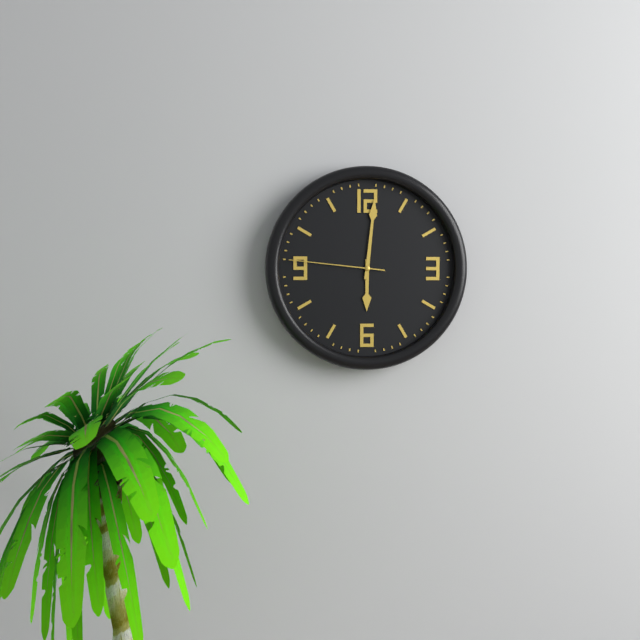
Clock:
6:01:46
